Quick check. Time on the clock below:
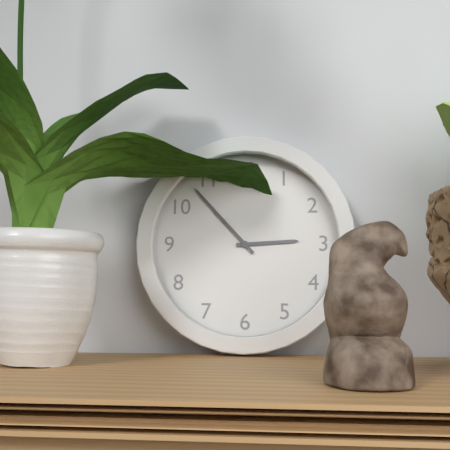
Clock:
2:53
